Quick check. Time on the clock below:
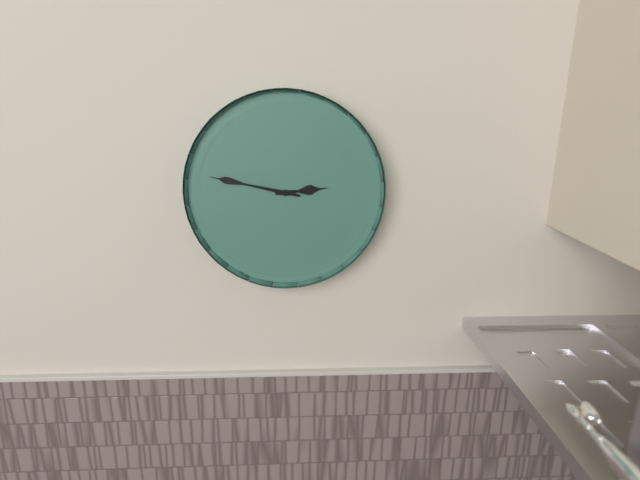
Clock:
2:47
